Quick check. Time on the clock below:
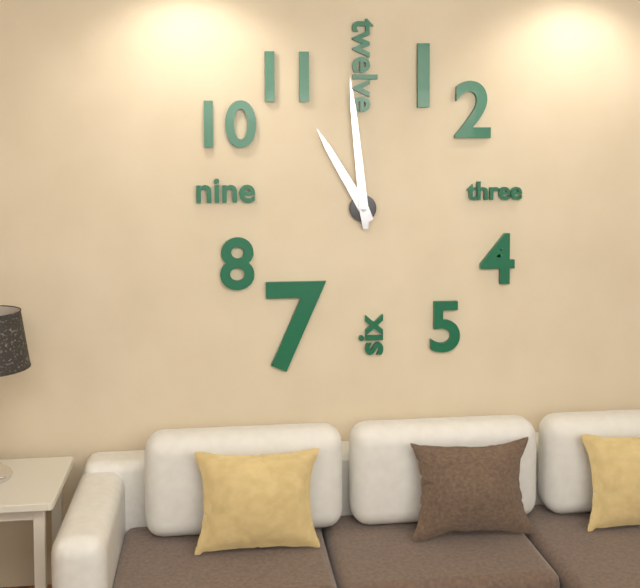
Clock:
10:59
